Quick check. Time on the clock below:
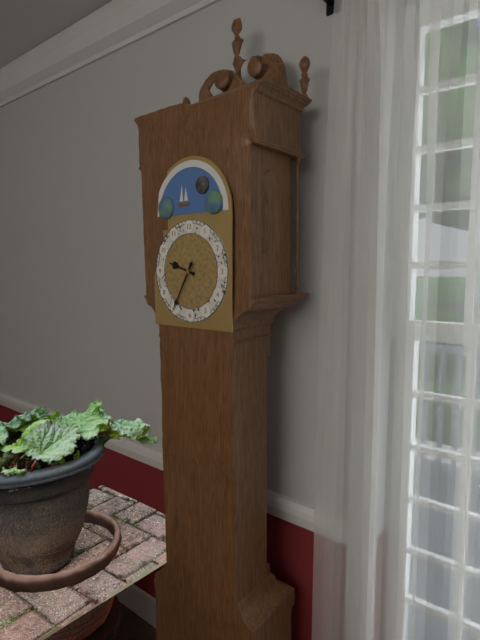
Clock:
9:35
